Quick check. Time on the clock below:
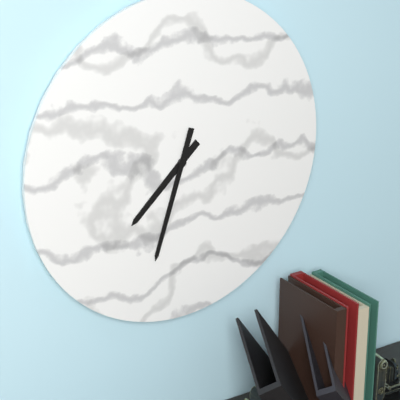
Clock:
7:33
